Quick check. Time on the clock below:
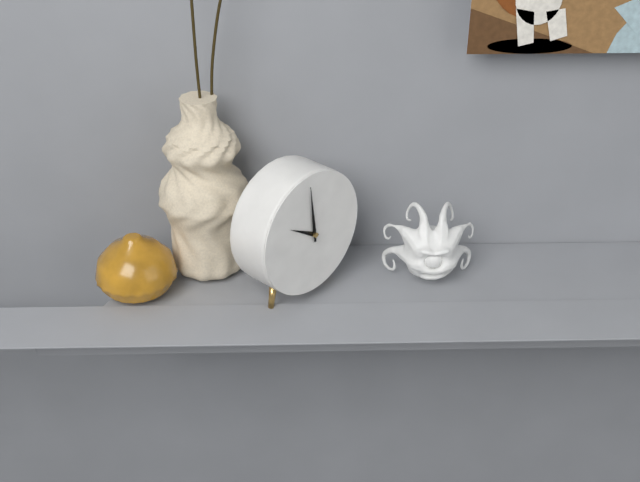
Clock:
9:59
